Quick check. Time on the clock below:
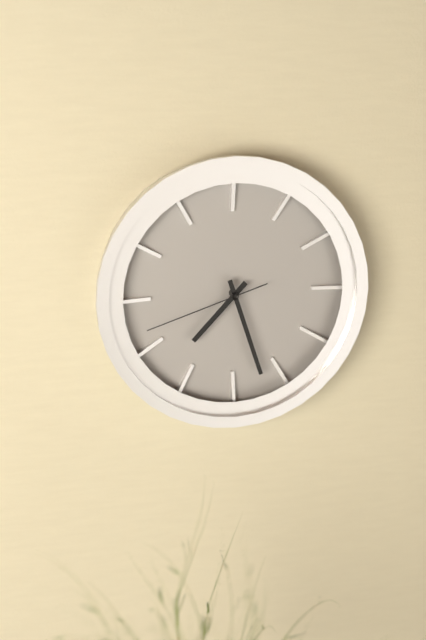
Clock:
7:27:42
